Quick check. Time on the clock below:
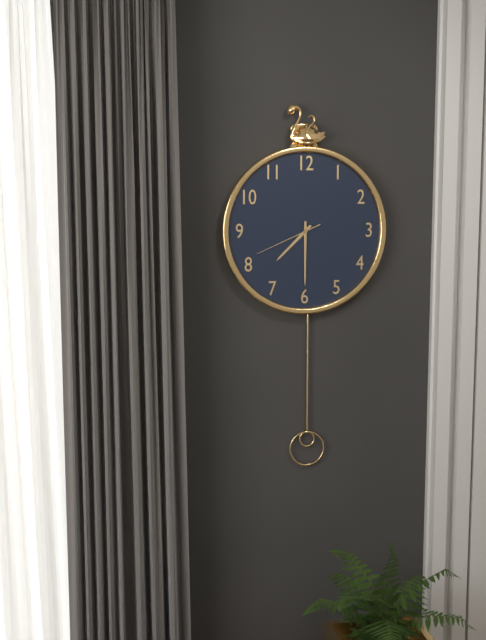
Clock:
7:30:41
